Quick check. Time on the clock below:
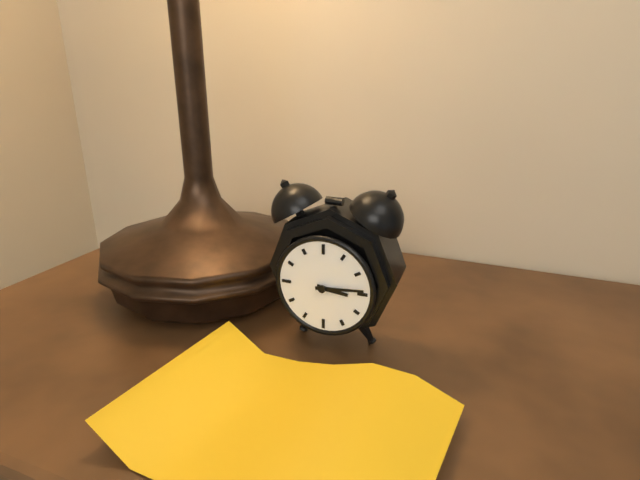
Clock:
3:14
